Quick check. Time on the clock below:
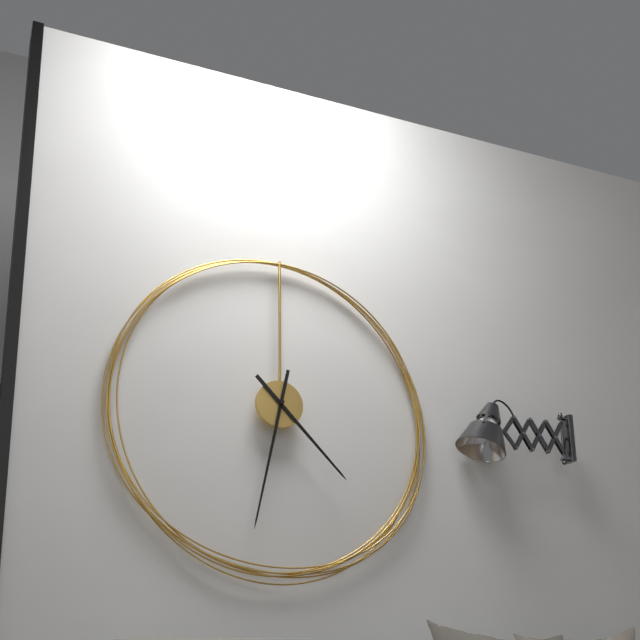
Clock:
4:32
